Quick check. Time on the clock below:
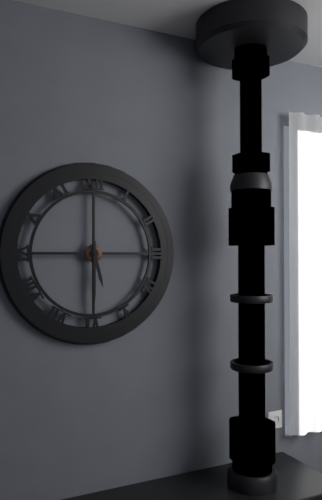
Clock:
5:30
